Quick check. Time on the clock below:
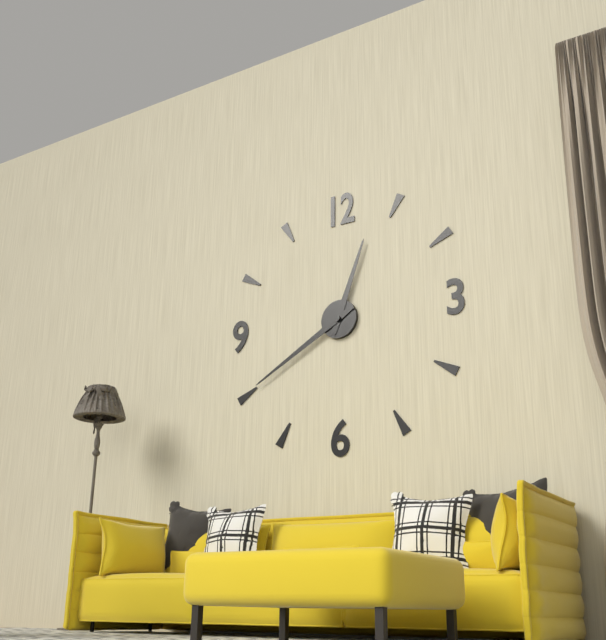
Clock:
12:40
